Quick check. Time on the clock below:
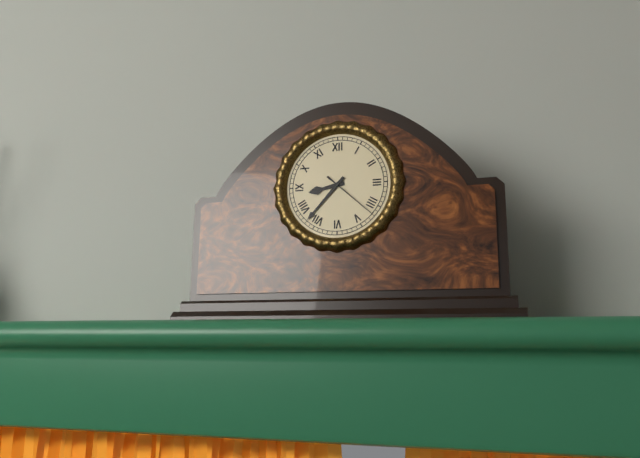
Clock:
8:37
